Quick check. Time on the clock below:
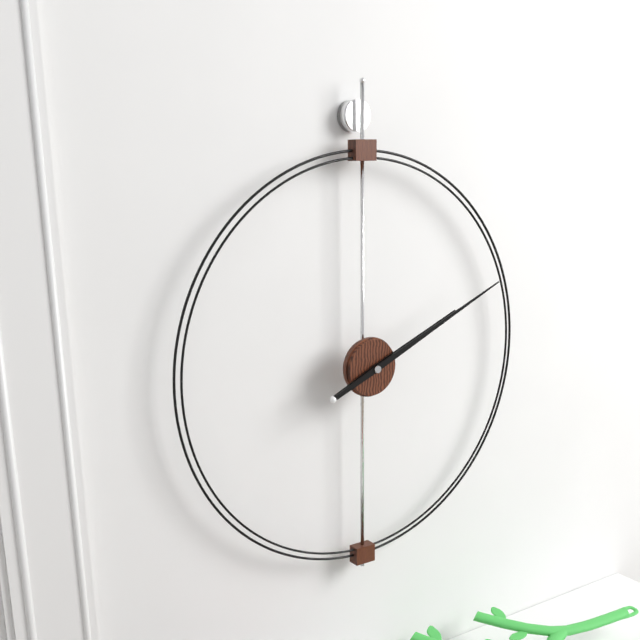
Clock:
2:11
